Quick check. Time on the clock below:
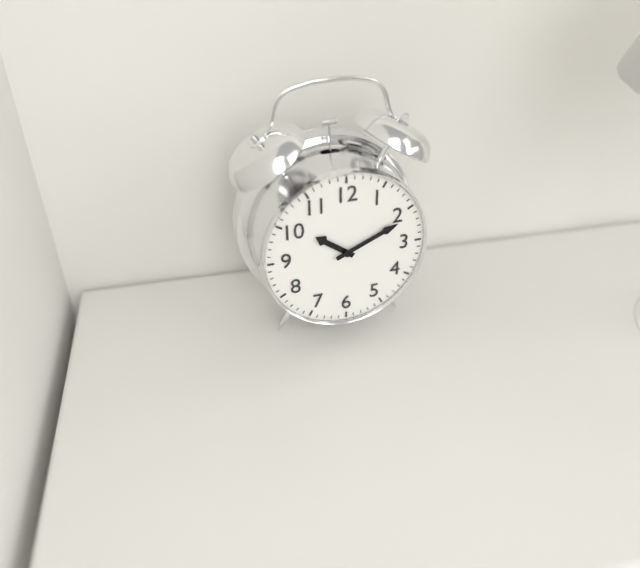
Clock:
10:11
